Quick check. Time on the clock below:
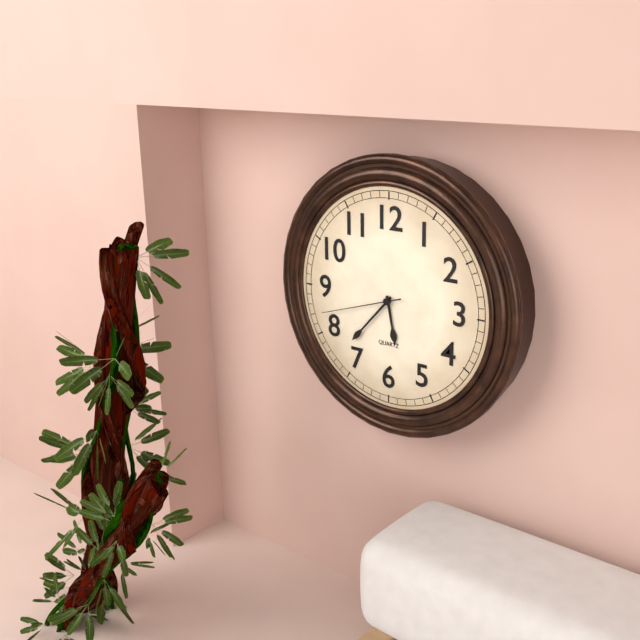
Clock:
5:37:42
